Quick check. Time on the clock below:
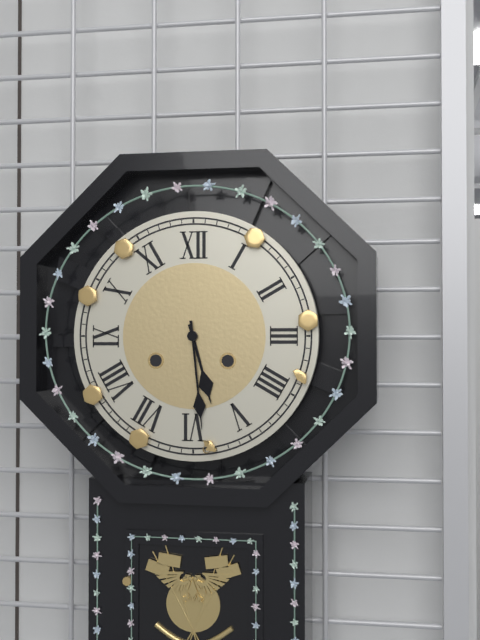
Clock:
5:29
